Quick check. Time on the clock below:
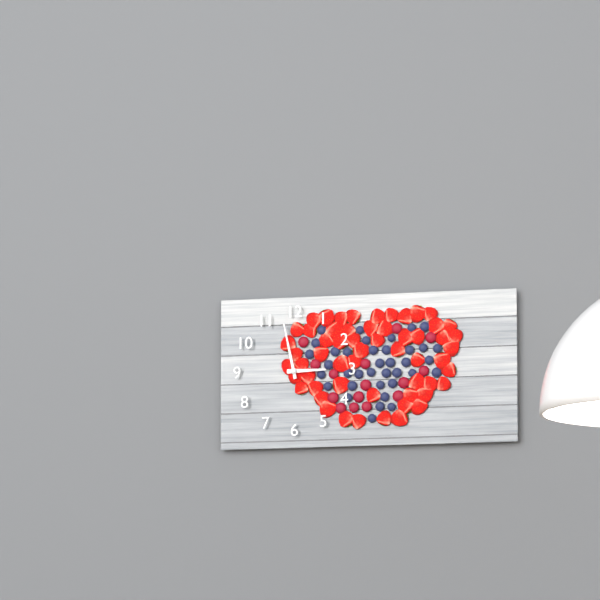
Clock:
2:58
